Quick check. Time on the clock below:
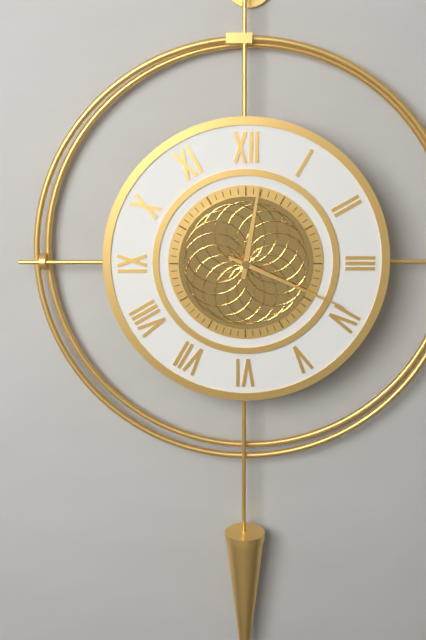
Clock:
12:19
